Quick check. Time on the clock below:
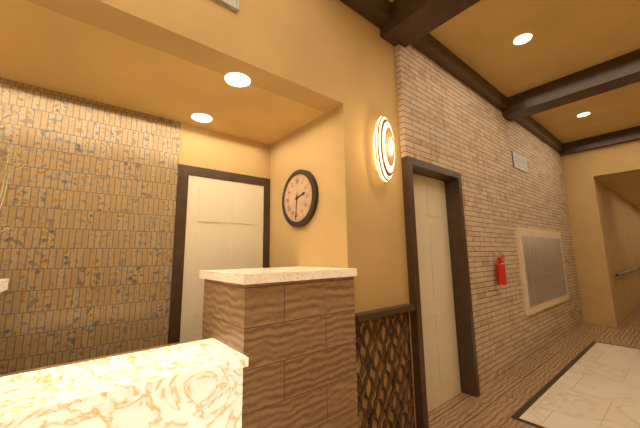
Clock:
2:31
